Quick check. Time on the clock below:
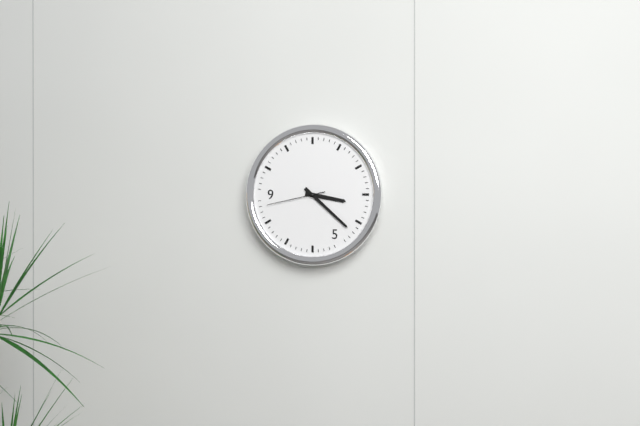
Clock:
3:22:43
